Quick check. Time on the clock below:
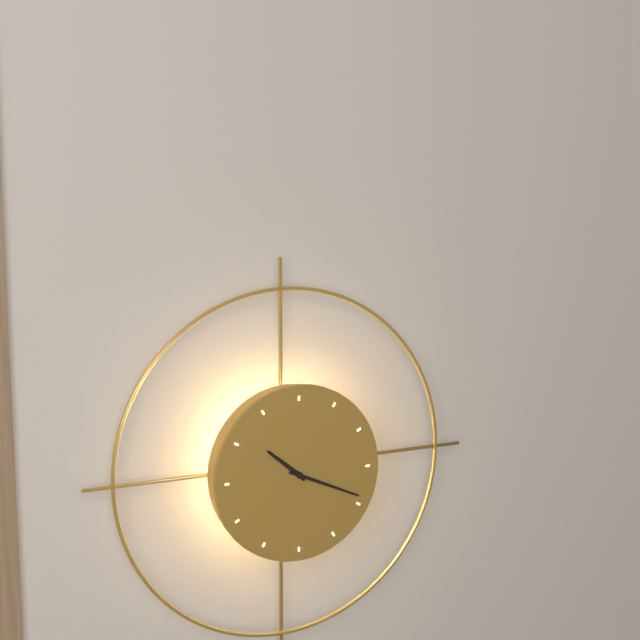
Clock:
10:19
